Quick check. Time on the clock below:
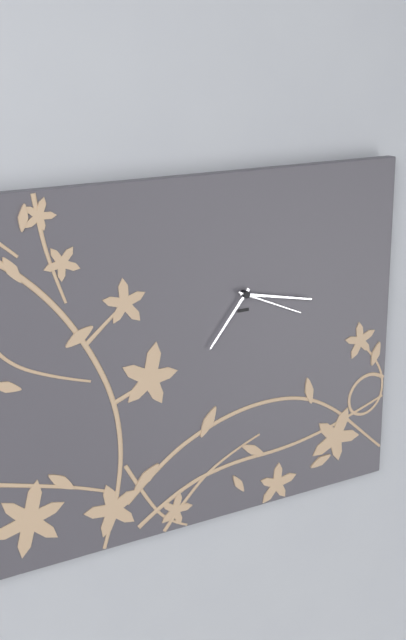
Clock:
7:17:19
